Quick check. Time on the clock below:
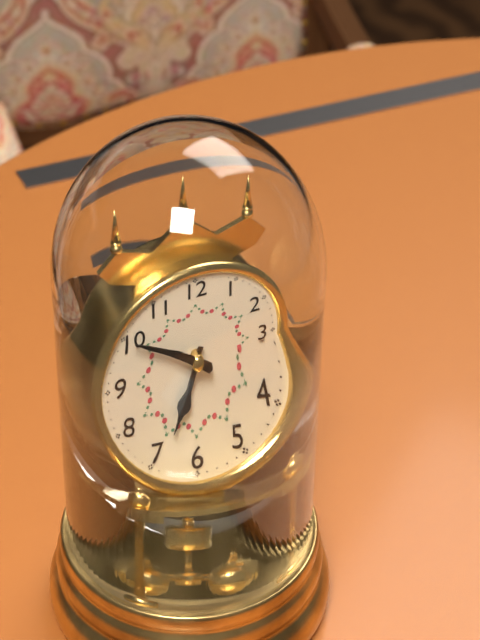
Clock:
6:50
